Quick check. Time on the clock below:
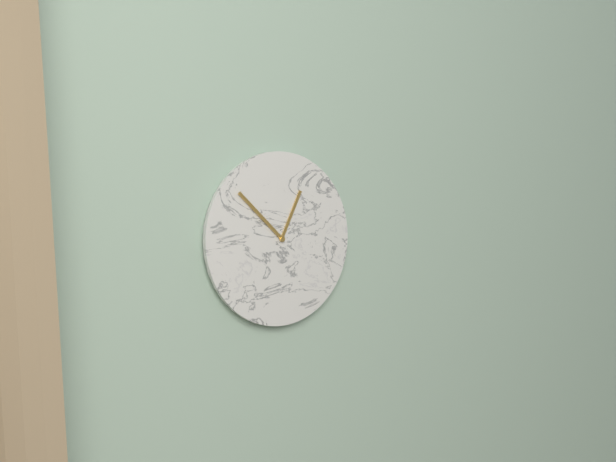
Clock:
12:52
